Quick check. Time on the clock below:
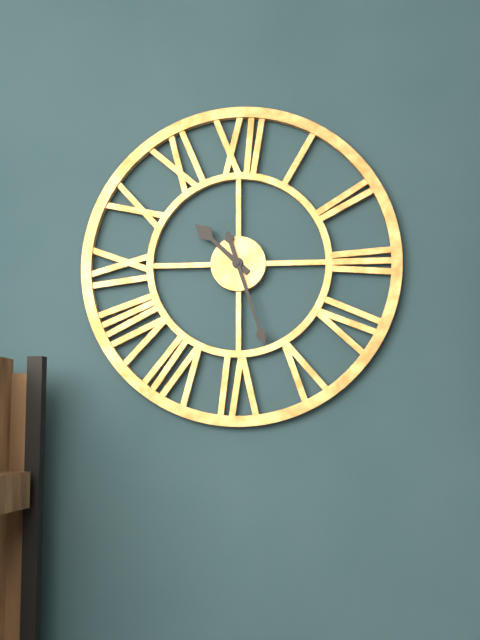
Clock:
10:27
